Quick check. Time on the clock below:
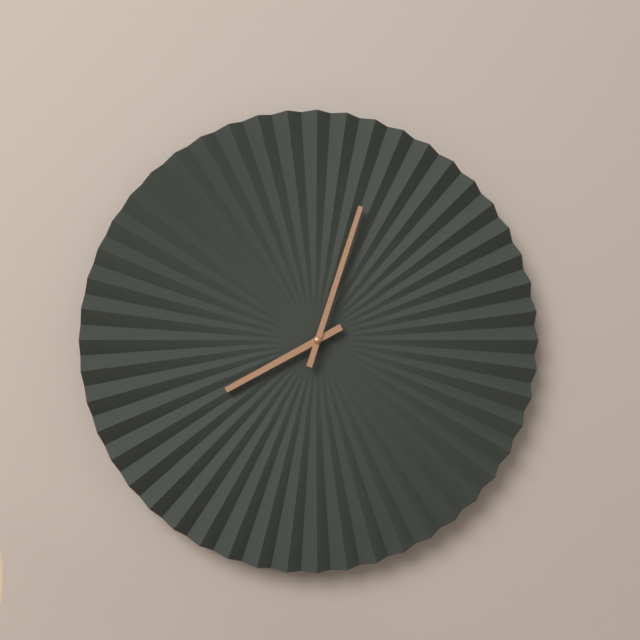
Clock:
8:03
